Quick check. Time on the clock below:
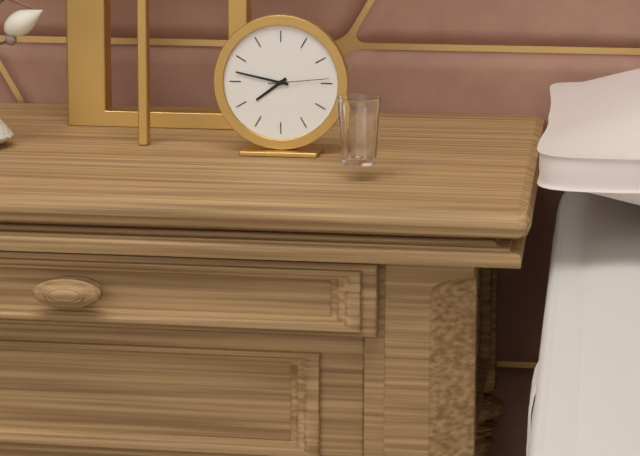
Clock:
7:47:14
